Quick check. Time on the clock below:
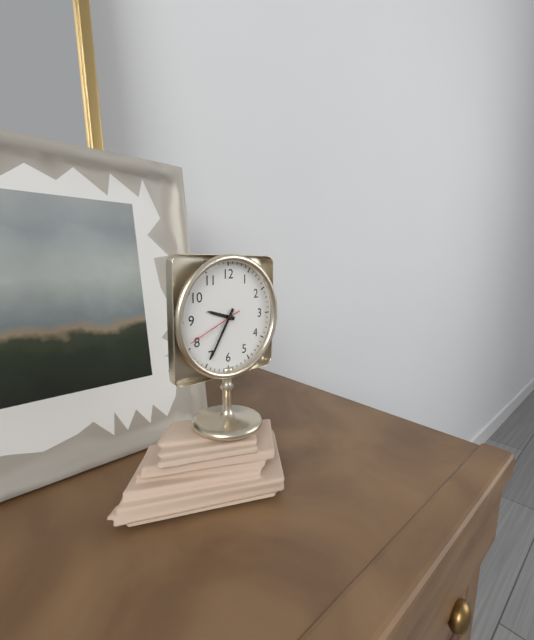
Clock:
9:35:41
